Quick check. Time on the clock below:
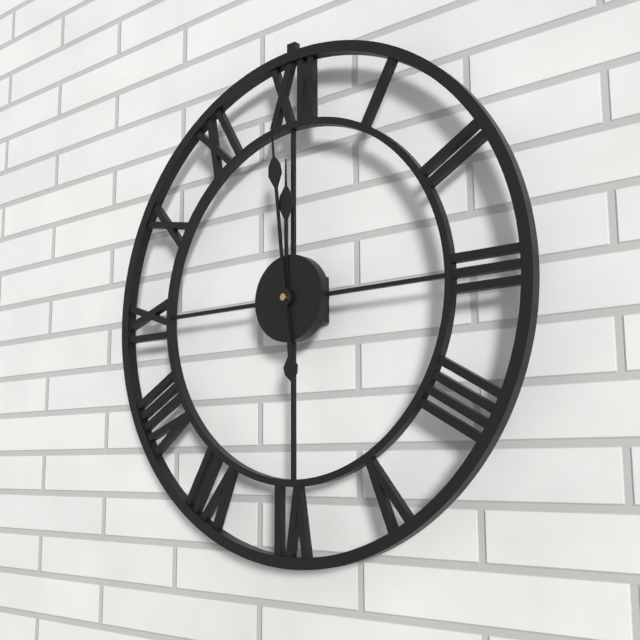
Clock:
11:59
